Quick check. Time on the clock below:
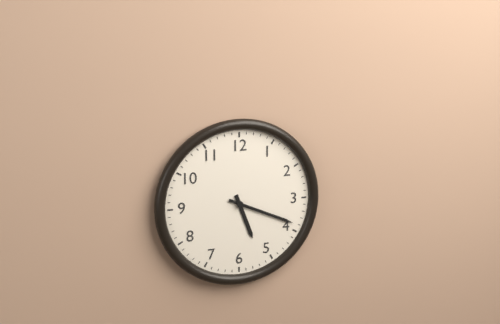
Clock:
5:19
